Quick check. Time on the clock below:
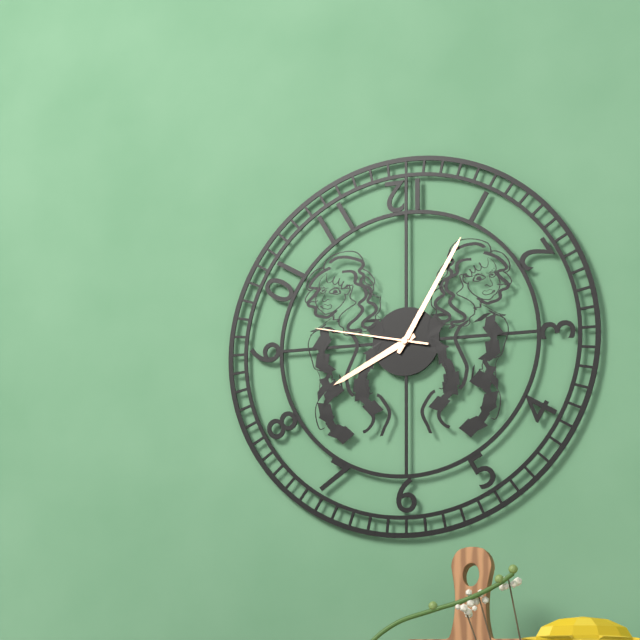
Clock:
8:05:47
